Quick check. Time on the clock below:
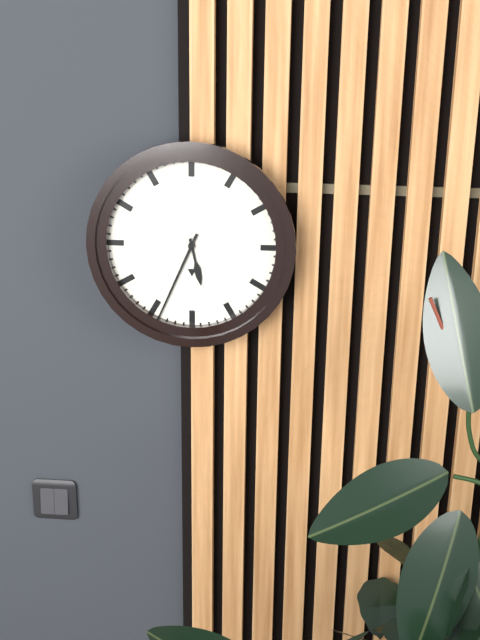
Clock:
5:34
